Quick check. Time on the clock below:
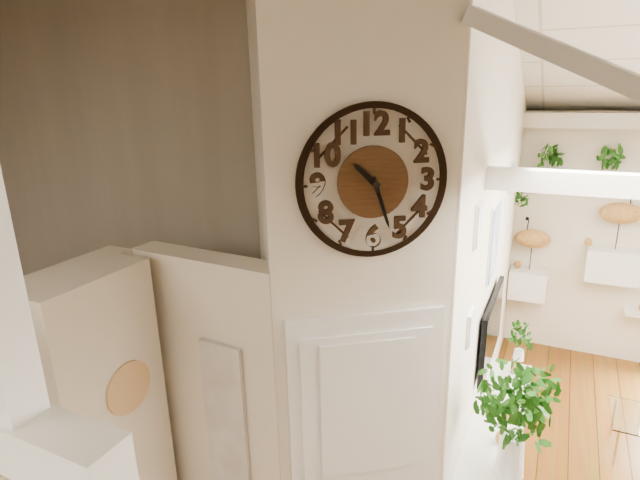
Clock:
10:27
